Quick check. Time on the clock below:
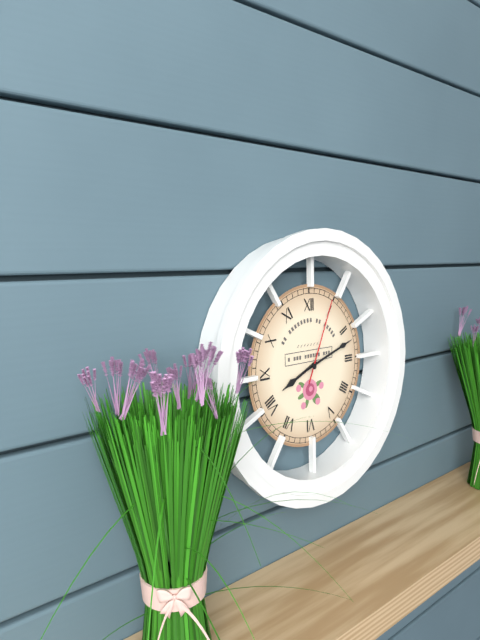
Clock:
8:12:04
